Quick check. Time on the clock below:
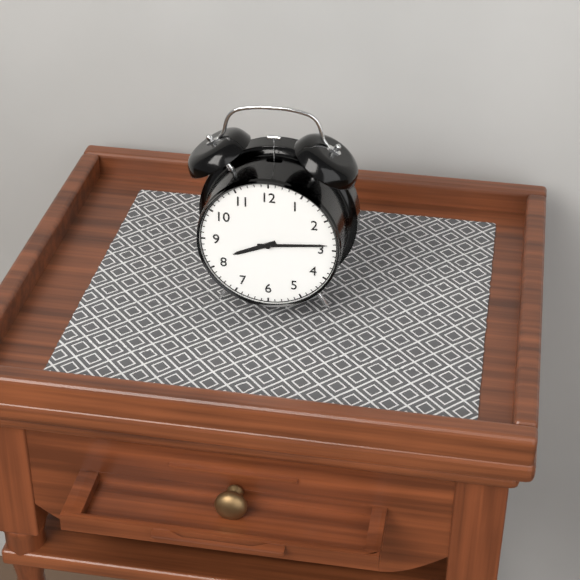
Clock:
8:14
